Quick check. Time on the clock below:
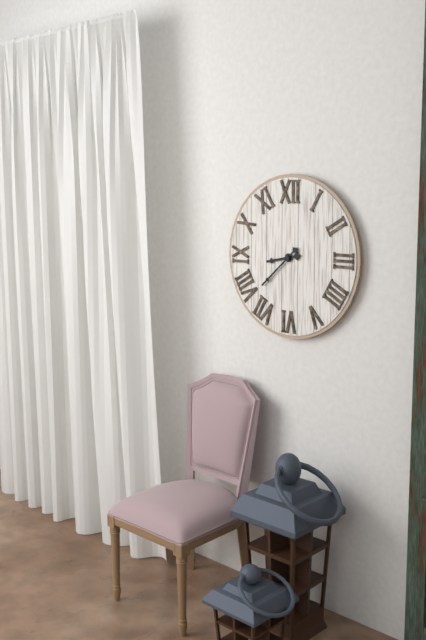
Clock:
8:38
